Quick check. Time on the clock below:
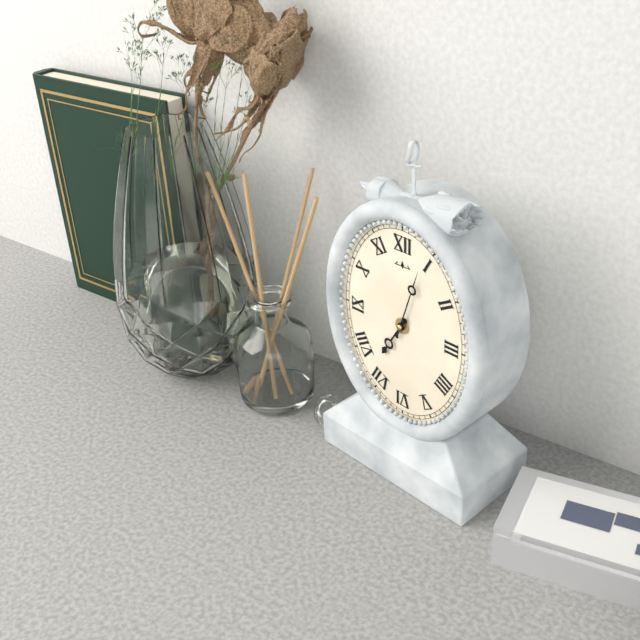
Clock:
7:03
